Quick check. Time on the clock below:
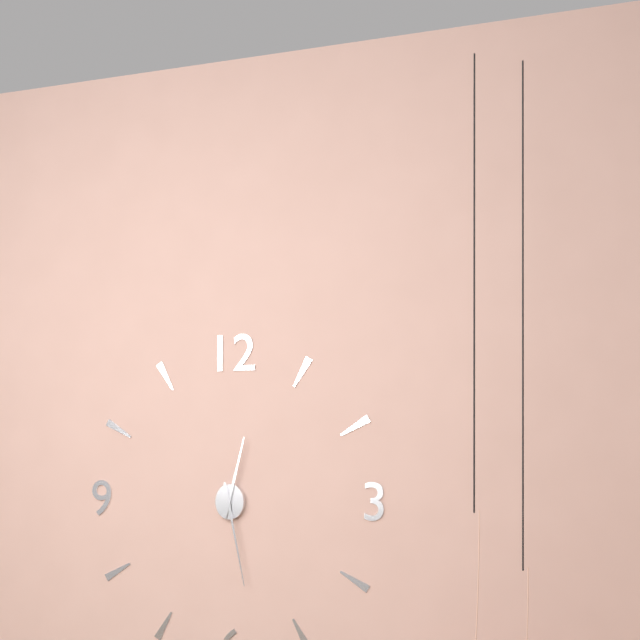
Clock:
12:28
